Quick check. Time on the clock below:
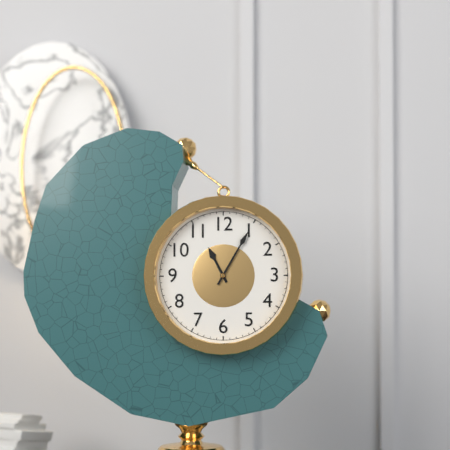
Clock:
11:05
